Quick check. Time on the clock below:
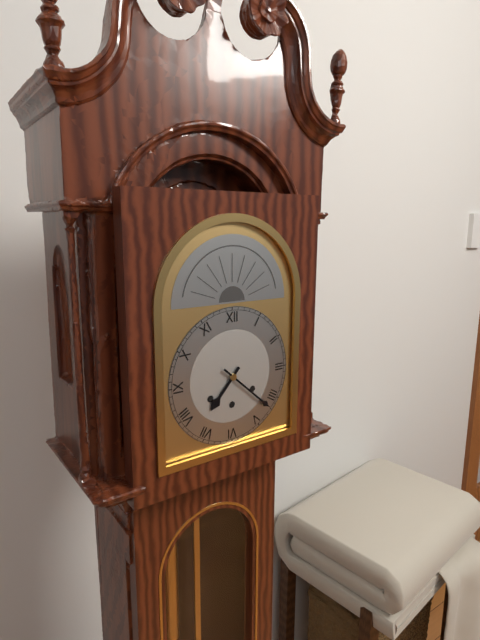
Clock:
7:22
